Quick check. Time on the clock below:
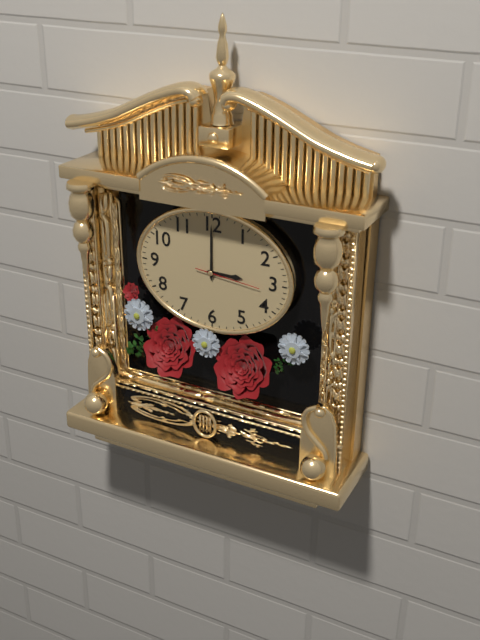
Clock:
3:00:16
